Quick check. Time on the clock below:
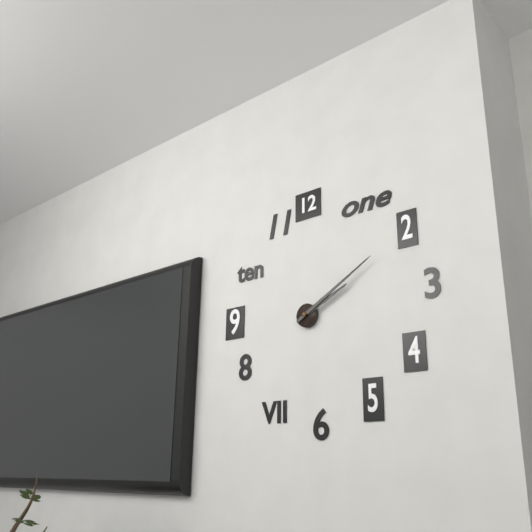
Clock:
2:10
